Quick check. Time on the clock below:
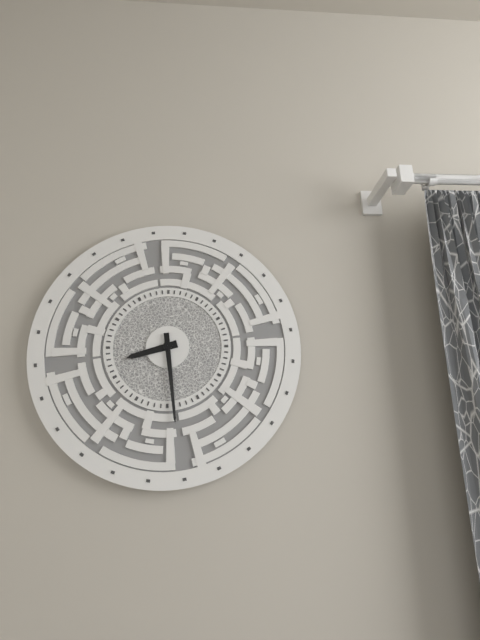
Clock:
8:29
